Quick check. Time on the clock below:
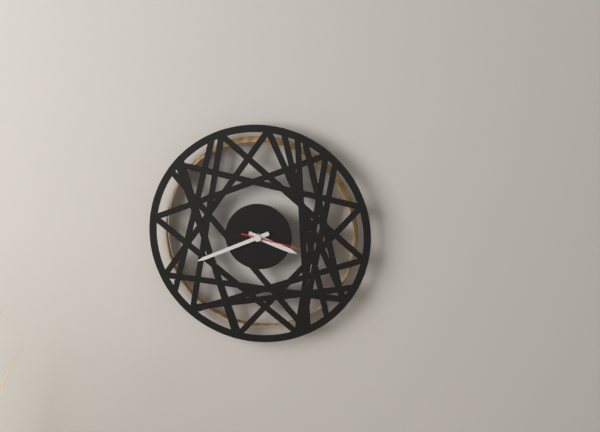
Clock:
3:41:17
